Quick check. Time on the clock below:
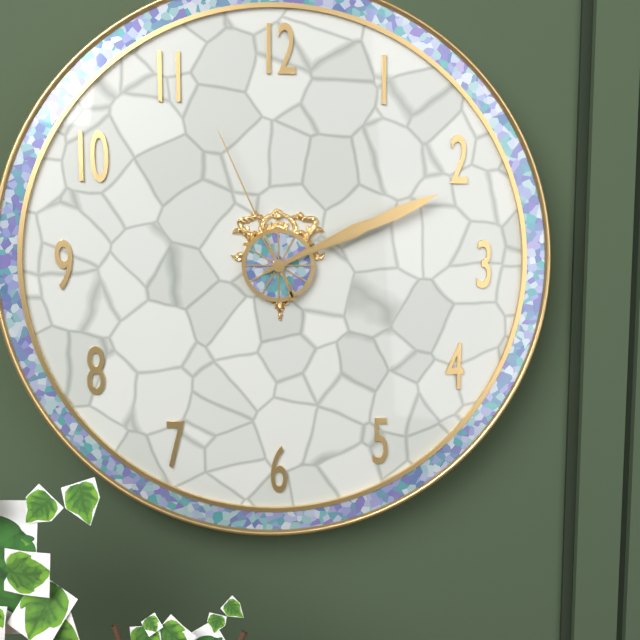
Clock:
2:11:56
